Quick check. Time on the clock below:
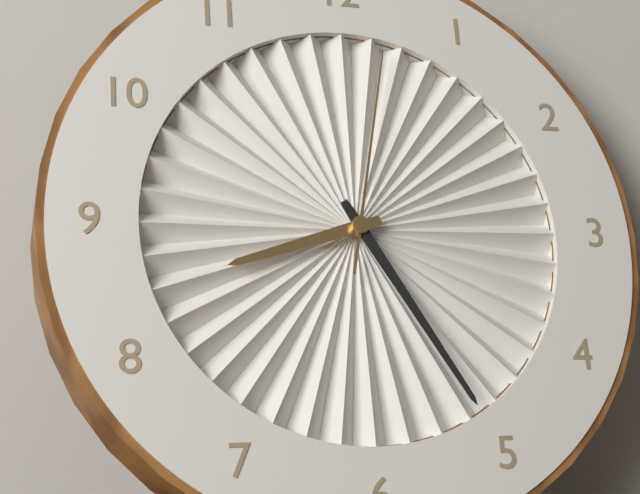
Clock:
8:25:02
